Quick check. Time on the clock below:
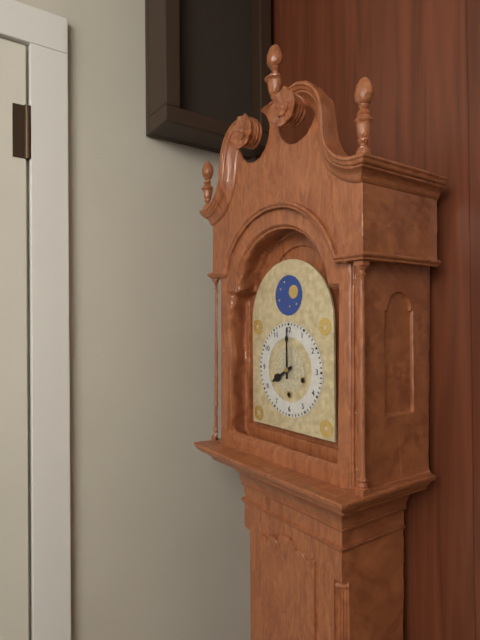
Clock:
8:00
